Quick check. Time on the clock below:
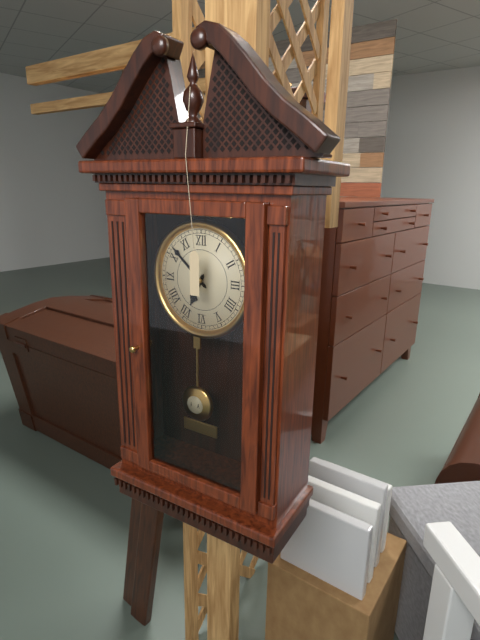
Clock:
6:52
